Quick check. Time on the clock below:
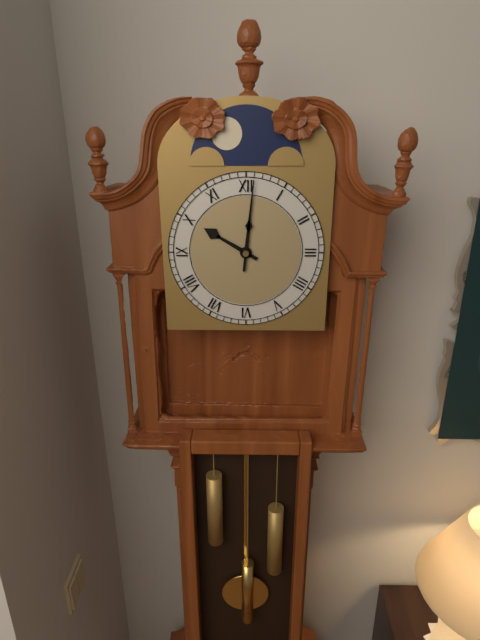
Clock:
10:01
